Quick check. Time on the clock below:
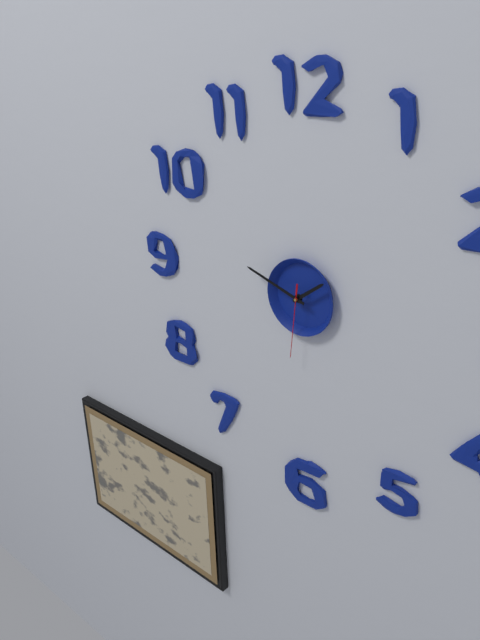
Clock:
1:48:31
